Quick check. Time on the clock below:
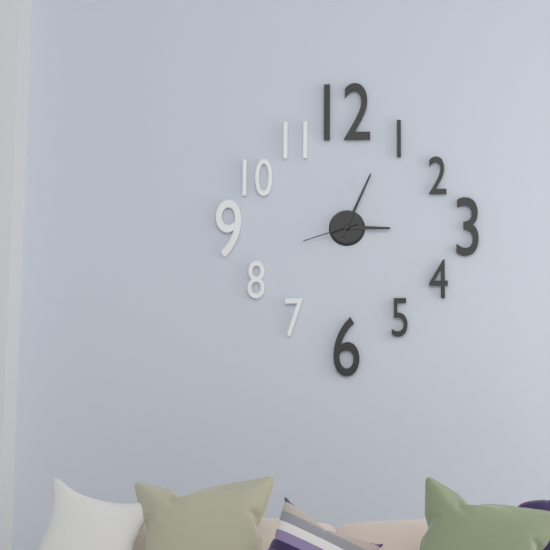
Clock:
3:04:42
